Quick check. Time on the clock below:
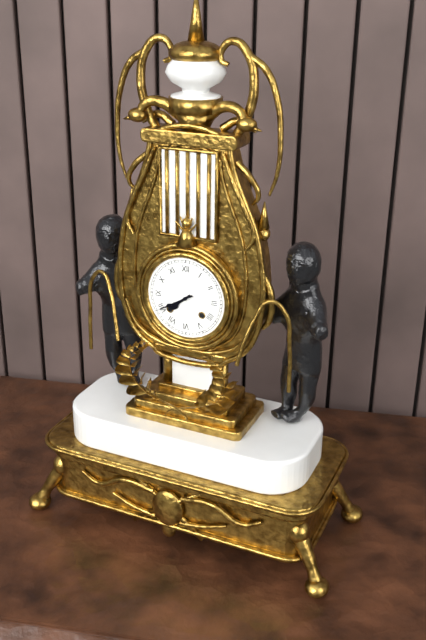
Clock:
7:40
